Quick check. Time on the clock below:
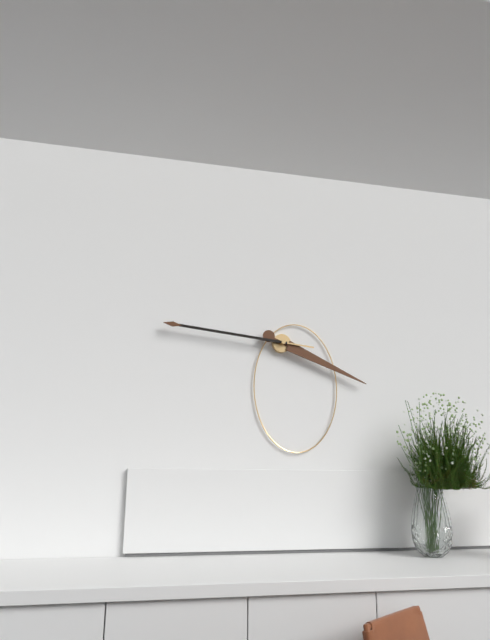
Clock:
3:46
